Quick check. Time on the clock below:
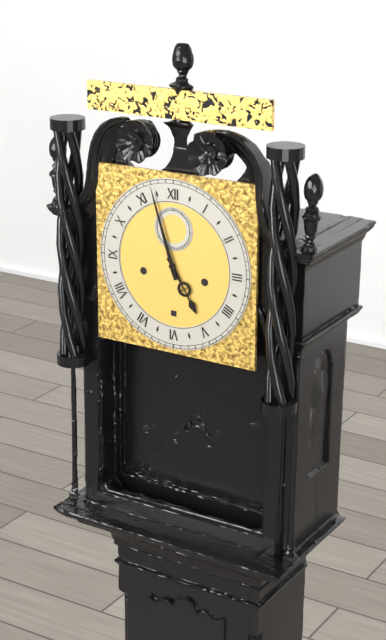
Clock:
4:57
